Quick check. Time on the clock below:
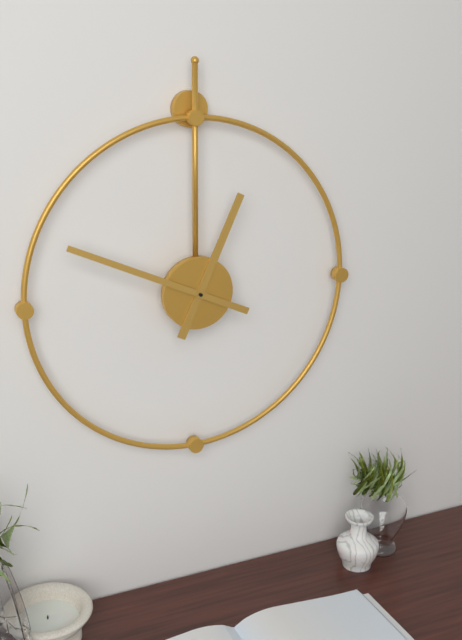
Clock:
12:49
